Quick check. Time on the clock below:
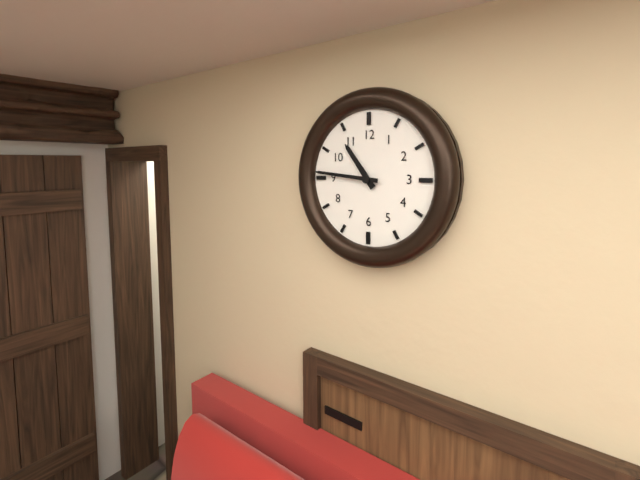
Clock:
10:46
